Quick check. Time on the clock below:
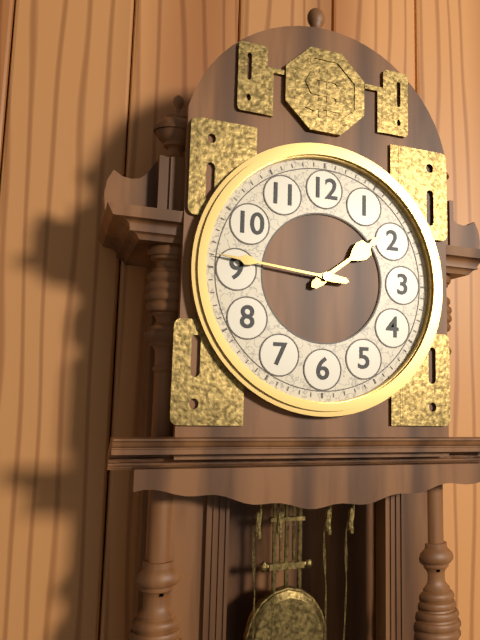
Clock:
1:46
